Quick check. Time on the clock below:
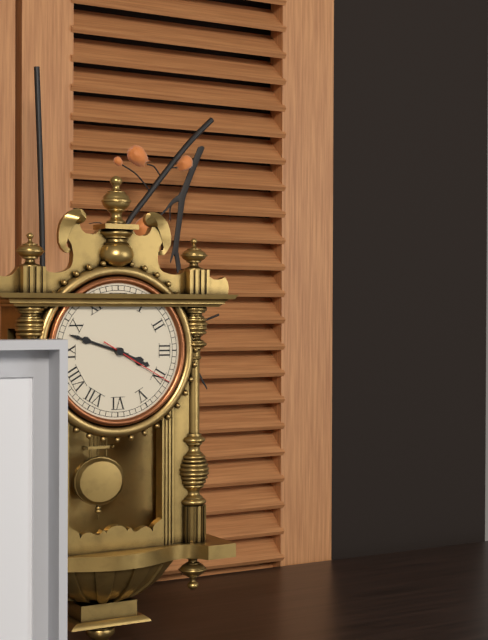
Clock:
3:48:20
